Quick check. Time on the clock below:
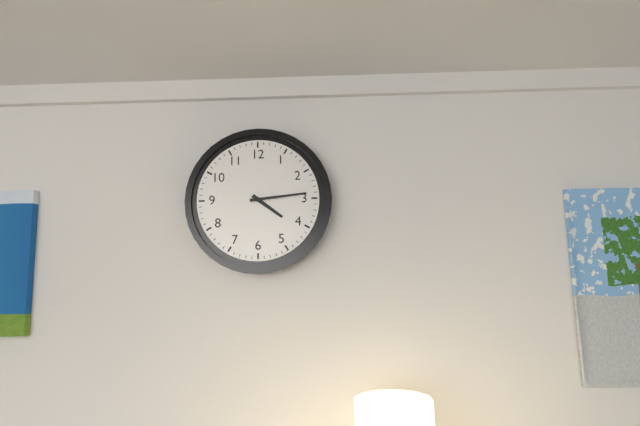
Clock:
4:14
